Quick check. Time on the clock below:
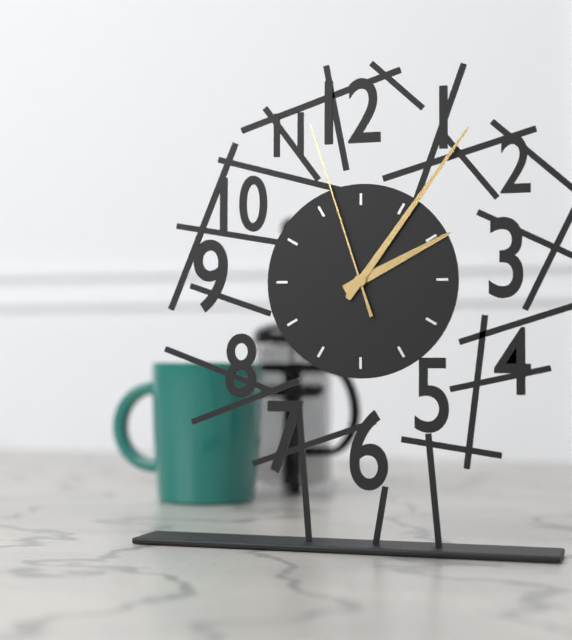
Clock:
2:06:57
